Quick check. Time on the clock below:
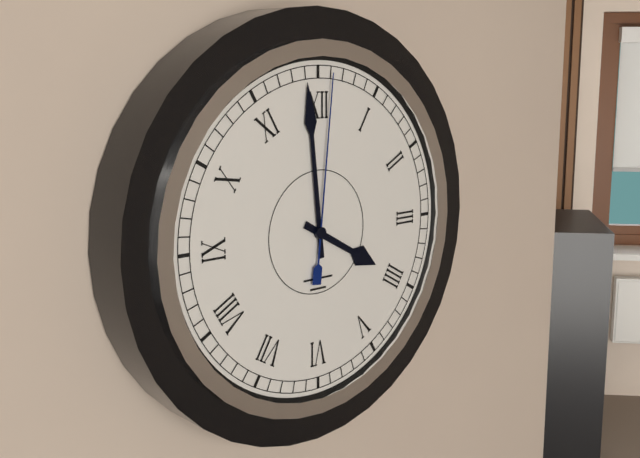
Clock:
3:59:01
